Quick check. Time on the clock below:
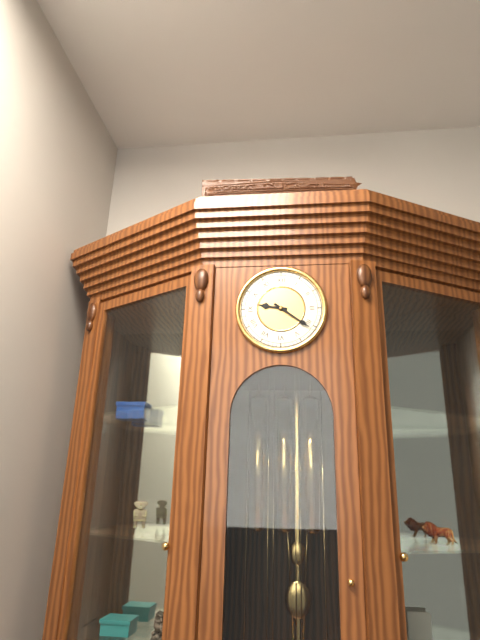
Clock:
9:21
